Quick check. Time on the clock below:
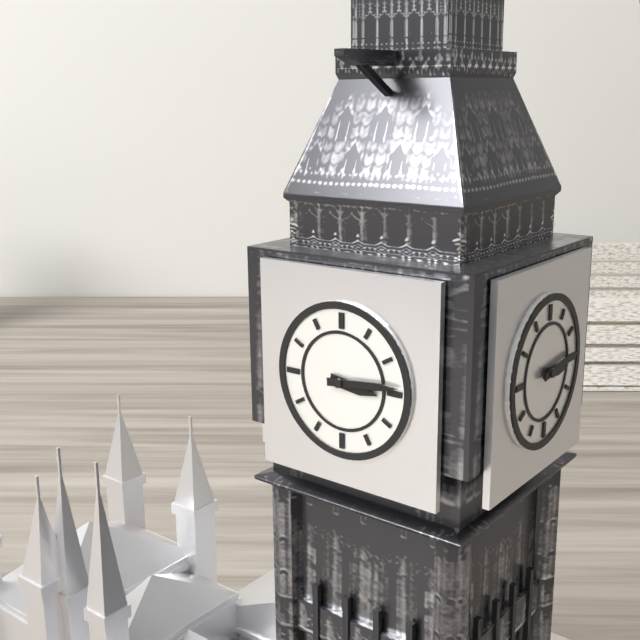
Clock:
3:14
